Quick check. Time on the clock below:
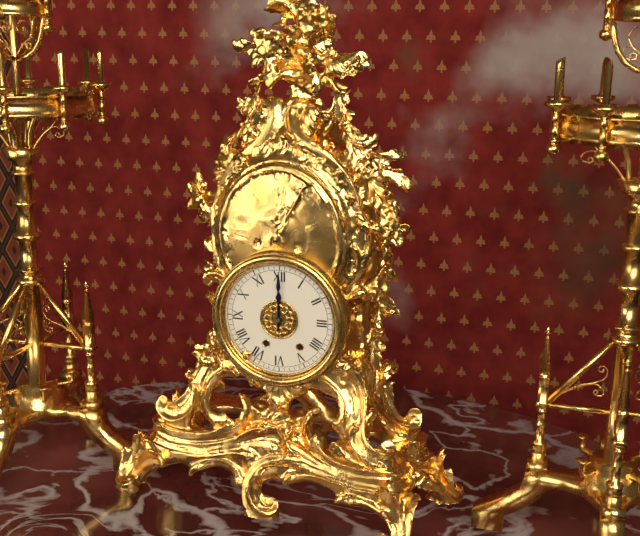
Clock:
12:00
